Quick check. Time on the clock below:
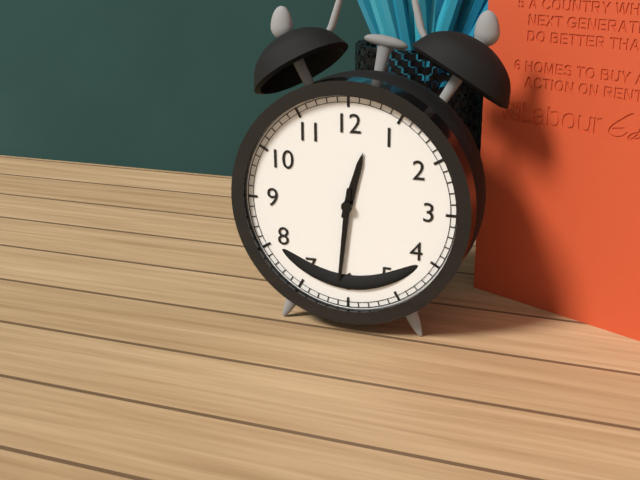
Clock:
12:31
